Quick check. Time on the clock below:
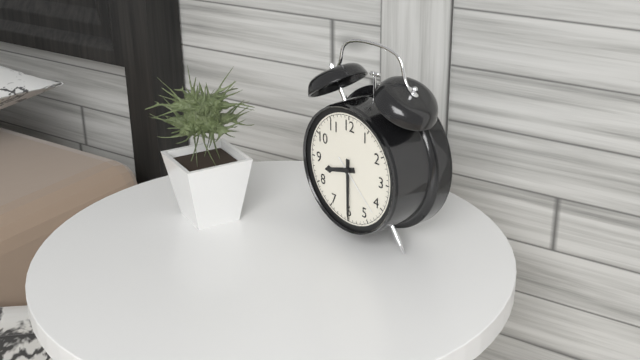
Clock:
8:30:22
